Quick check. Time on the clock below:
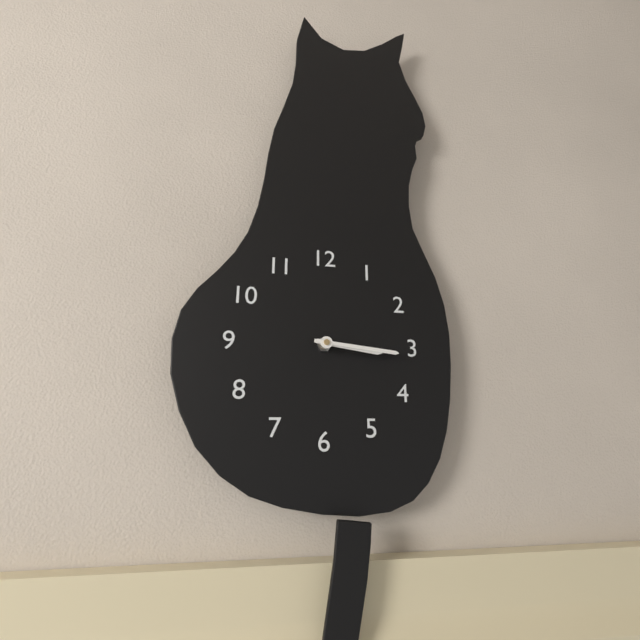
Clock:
3:16
